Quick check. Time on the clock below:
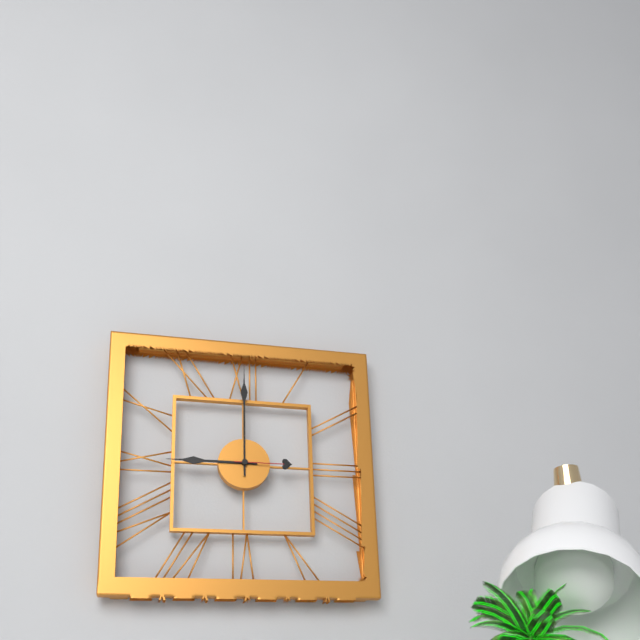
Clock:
9:00:15
